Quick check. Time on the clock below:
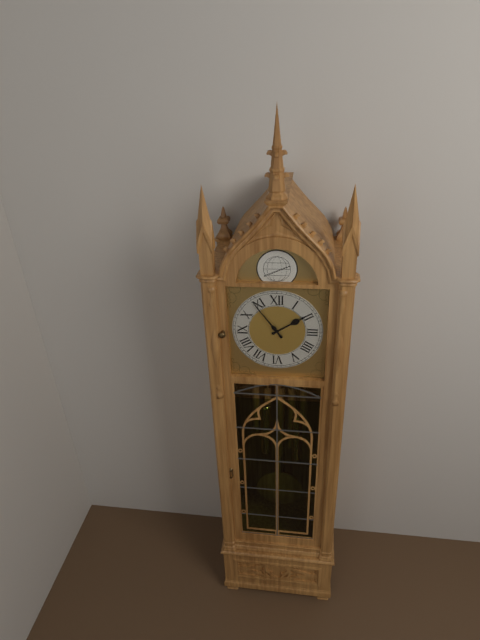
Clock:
1:54
